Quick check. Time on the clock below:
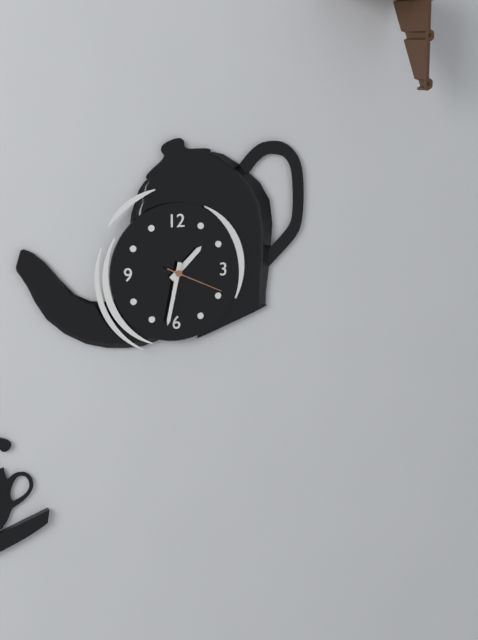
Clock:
1:32:19
